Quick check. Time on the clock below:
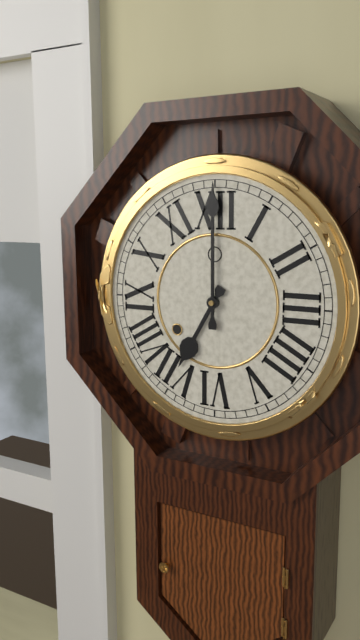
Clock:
7:00
